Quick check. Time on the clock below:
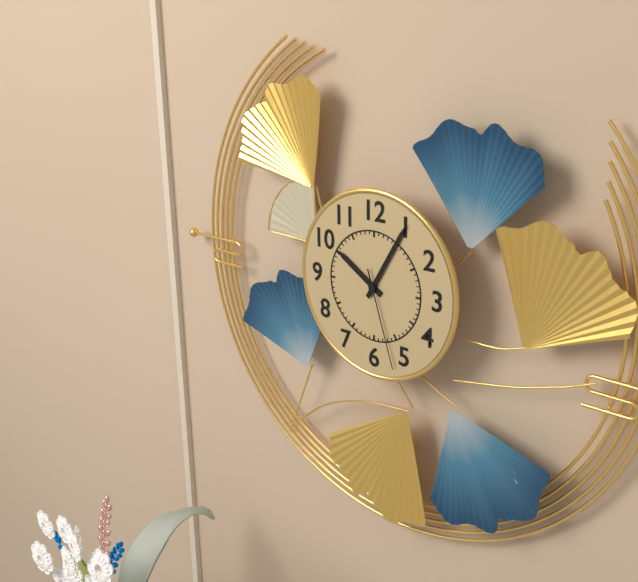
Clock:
10:05:27
